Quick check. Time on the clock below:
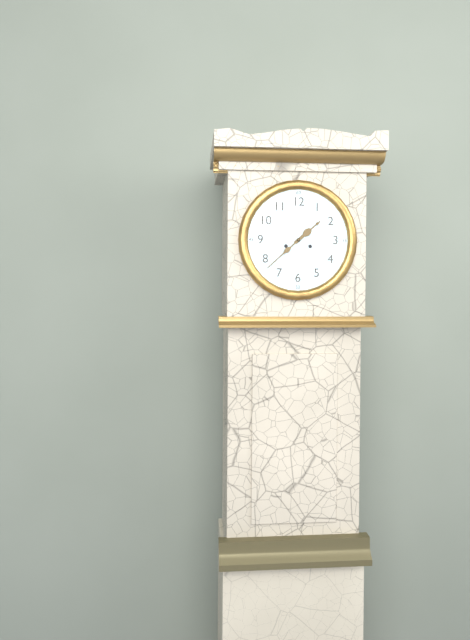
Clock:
1:38
